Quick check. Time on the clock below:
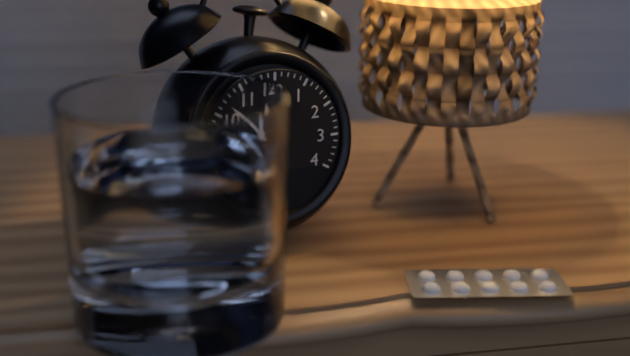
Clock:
11:52
